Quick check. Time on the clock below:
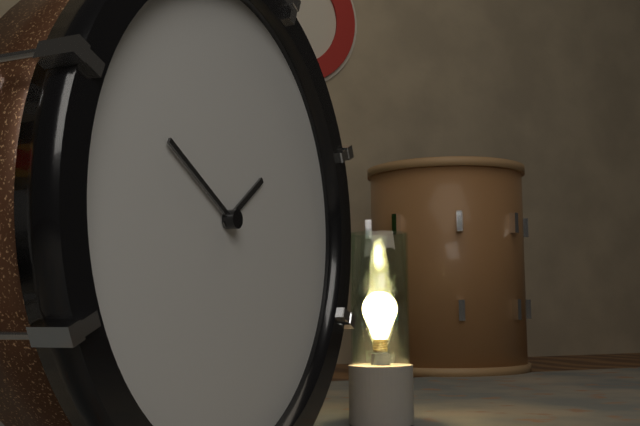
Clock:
1:50
